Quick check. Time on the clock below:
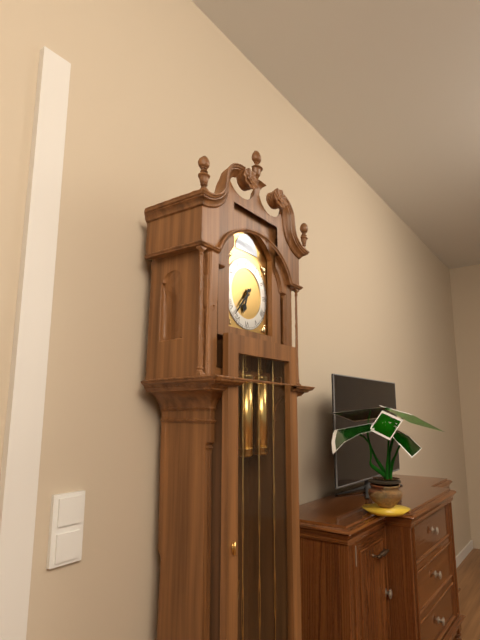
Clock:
6:37
